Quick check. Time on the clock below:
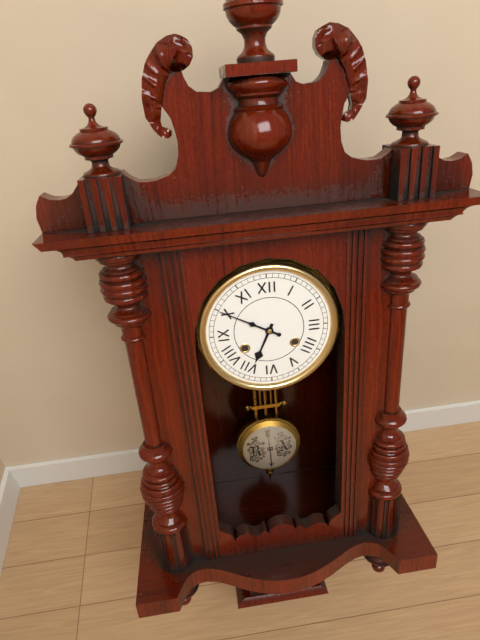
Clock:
6:50
